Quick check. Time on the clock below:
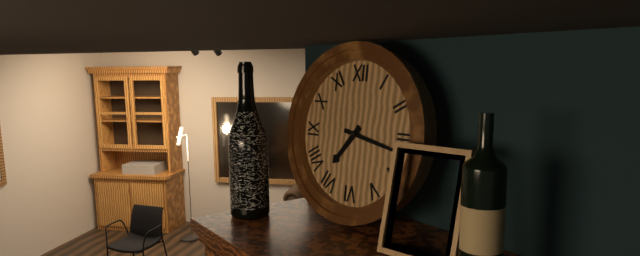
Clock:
7:17
